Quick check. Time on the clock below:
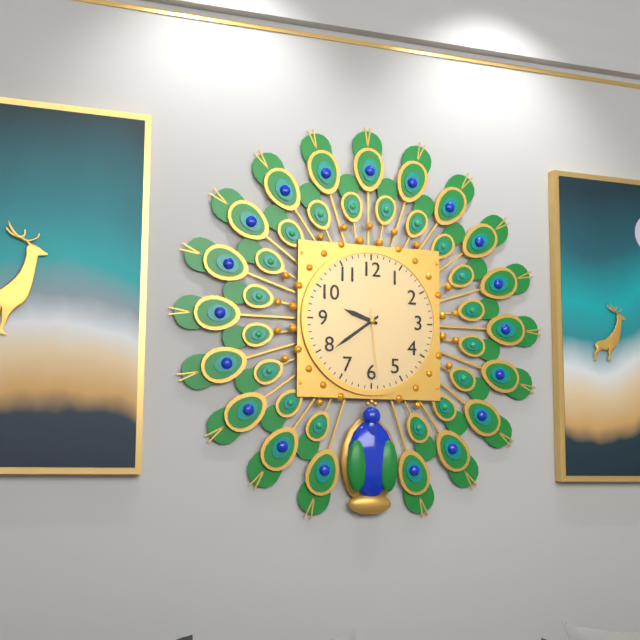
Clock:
9:39:29
